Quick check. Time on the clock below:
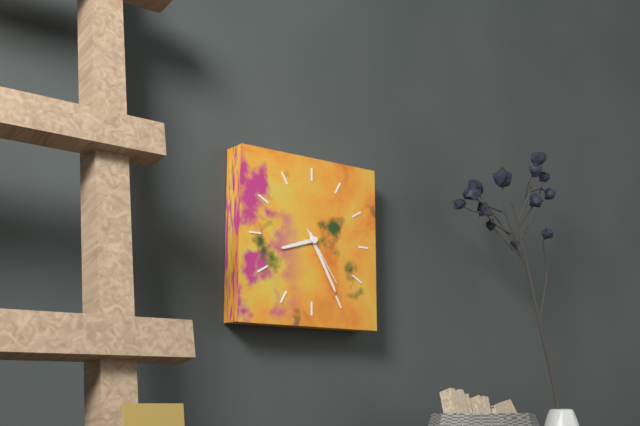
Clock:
8:25:24
